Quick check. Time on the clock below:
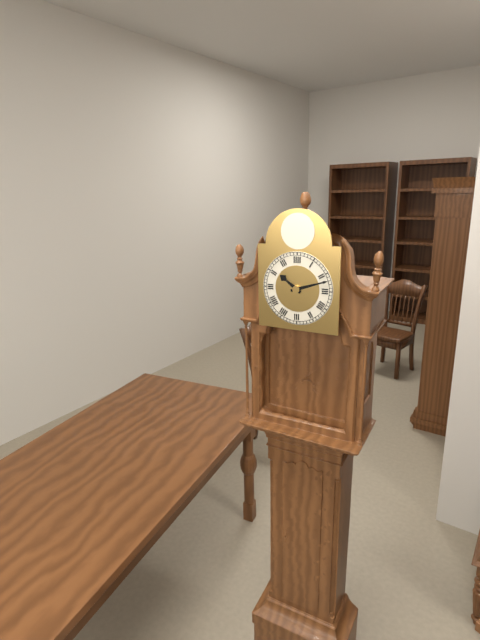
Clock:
10:12
